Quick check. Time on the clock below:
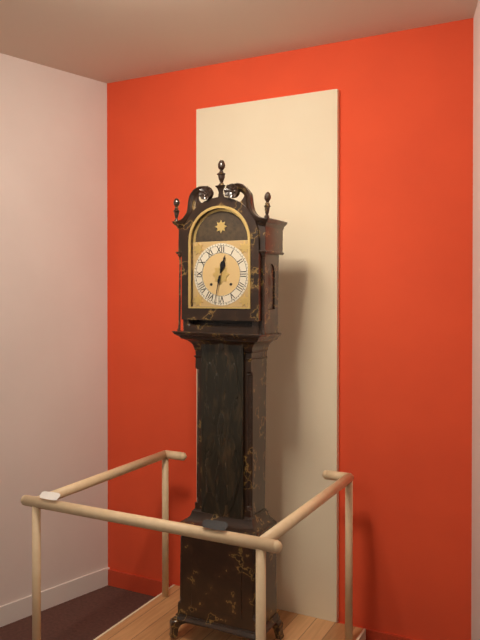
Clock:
12:32
